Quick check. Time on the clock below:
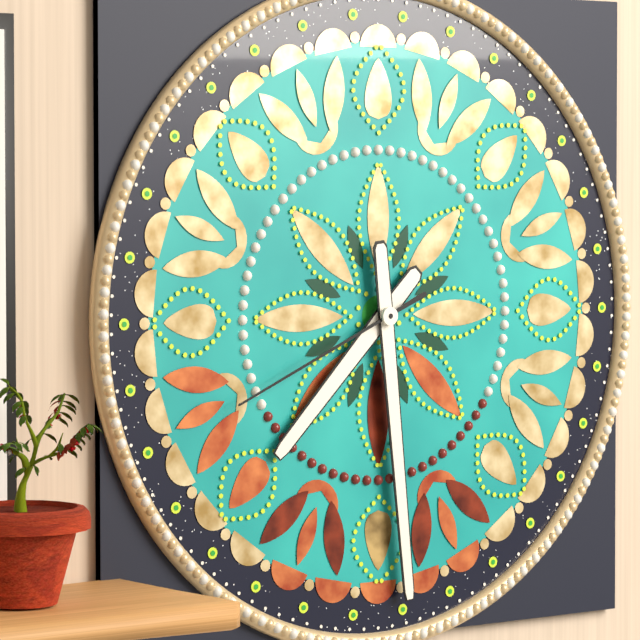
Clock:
7:29:41
